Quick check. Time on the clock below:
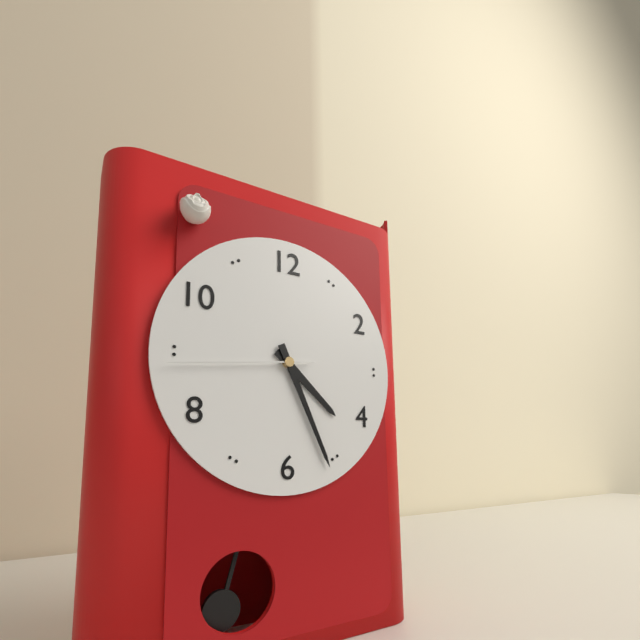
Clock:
4:26:44
